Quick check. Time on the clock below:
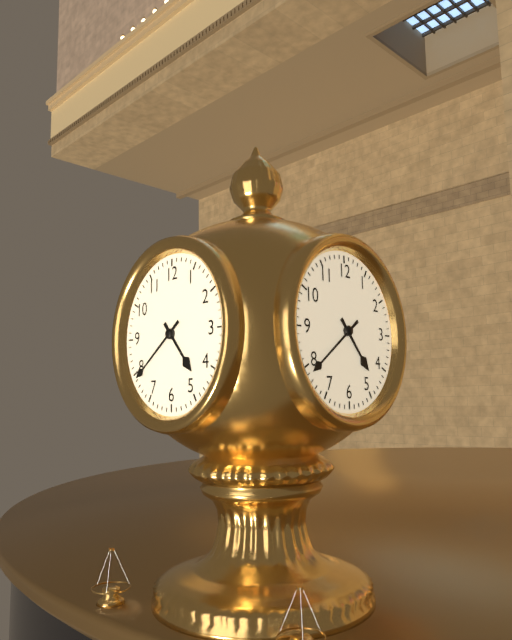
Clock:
4:39
